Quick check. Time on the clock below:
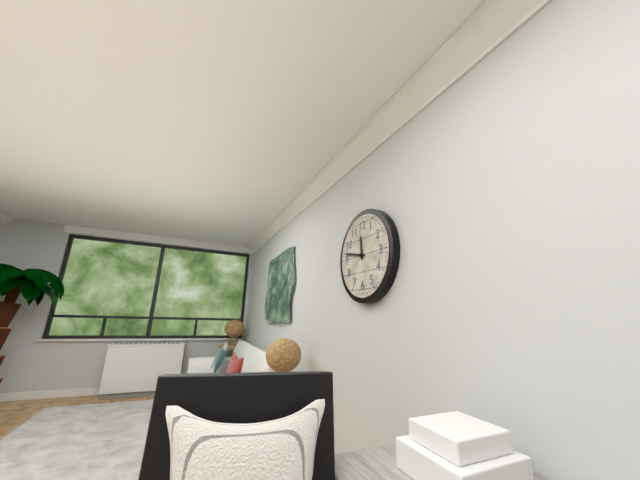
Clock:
11:47
